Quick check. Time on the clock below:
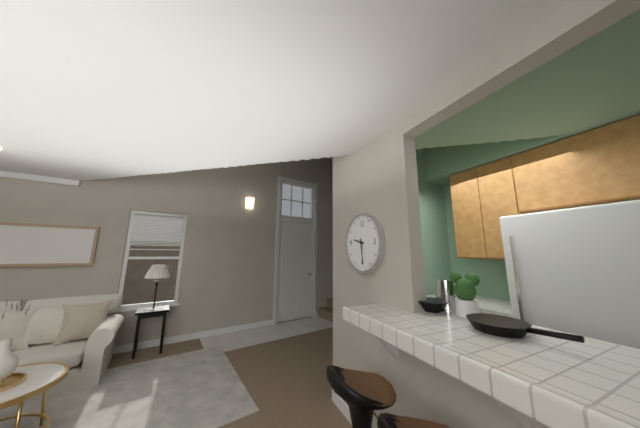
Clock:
9:29
